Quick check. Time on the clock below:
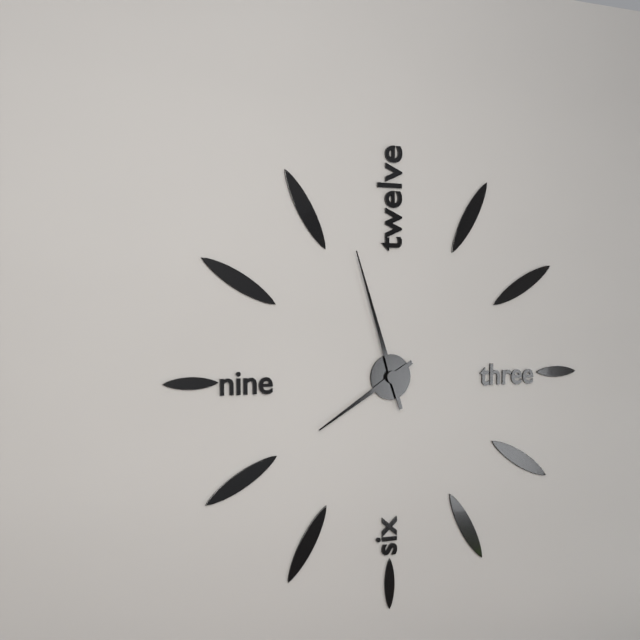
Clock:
7:57
